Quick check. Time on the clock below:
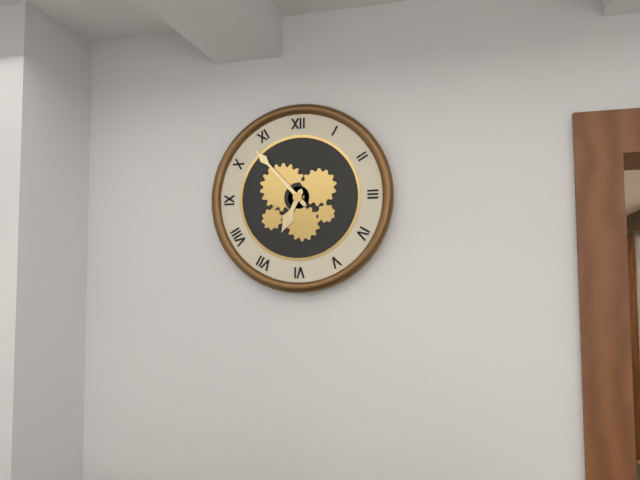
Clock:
6:53
